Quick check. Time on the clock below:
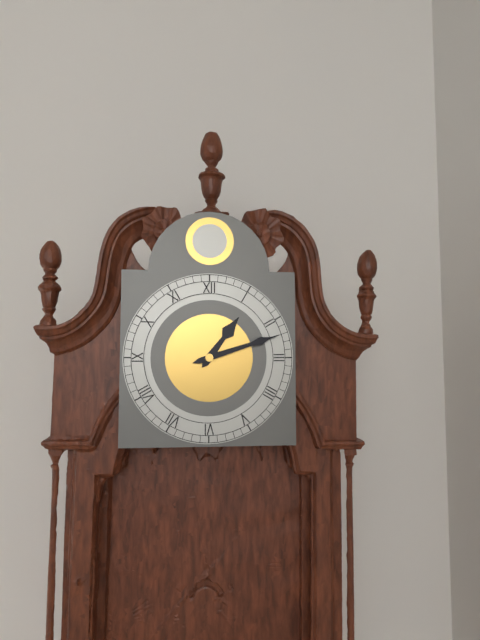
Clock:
1:12
